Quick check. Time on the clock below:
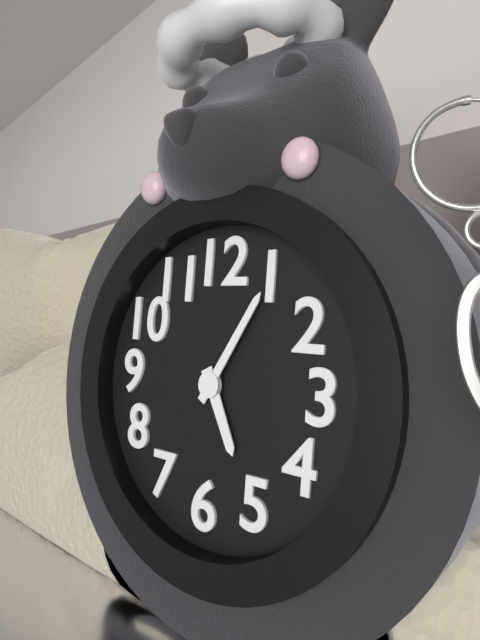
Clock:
5:05
